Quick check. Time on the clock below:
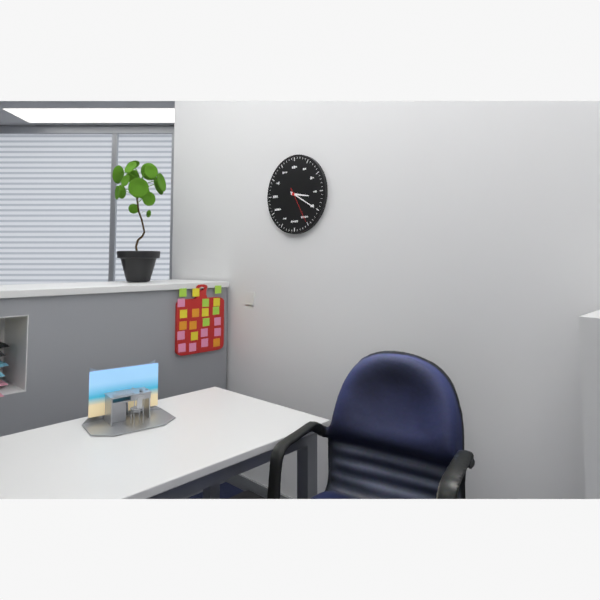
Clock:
3:20
